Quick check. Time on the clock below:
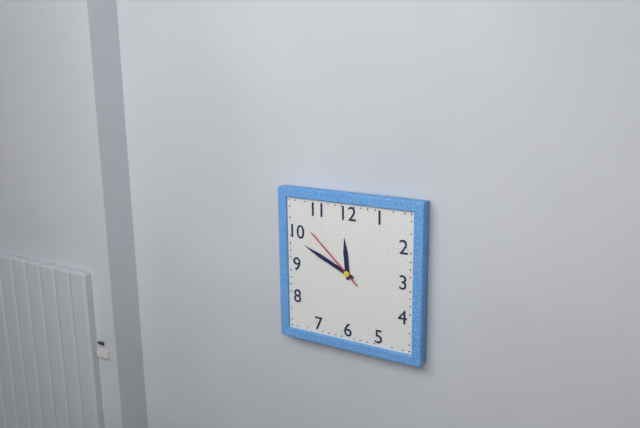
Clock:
11:49:52
